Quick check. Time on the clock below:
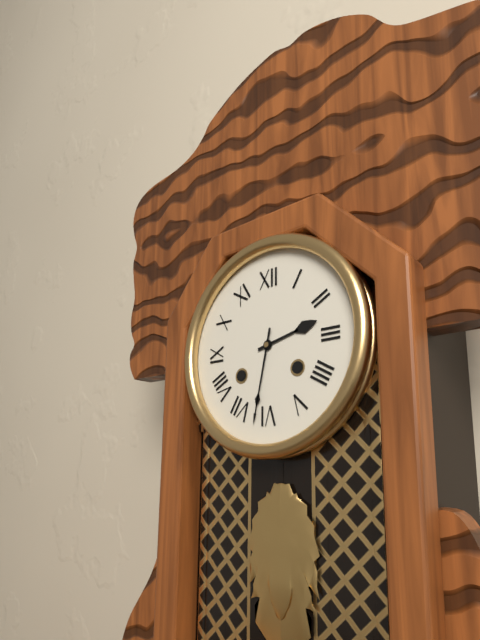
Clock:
2:32
